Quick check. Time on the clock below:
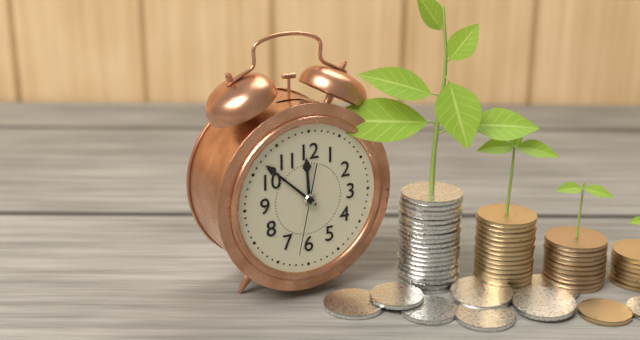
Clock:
11:52:32
